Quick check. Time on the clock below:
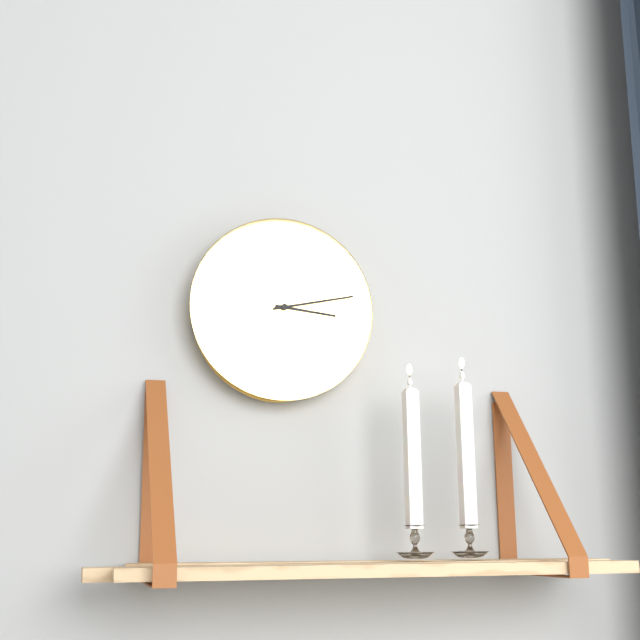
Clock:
3:13
